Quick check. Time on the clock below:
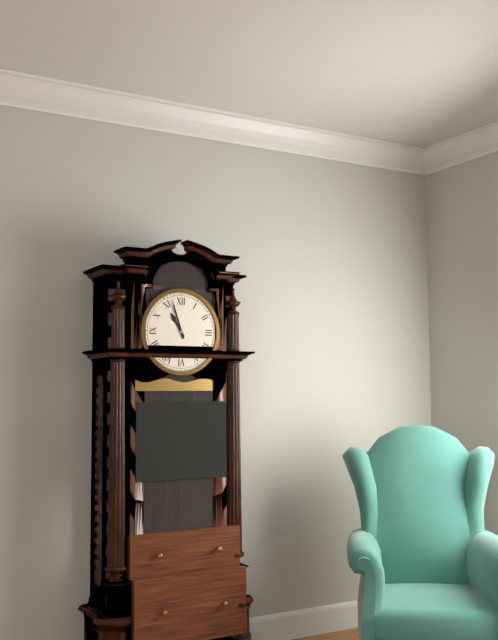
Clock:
10:57
